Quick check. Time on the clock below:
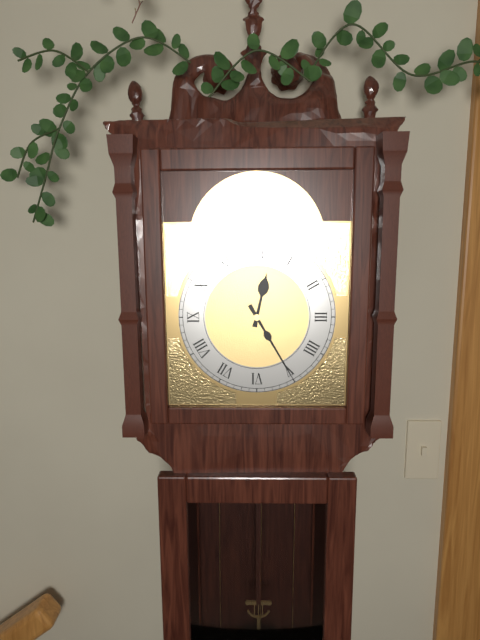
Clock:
12:25
